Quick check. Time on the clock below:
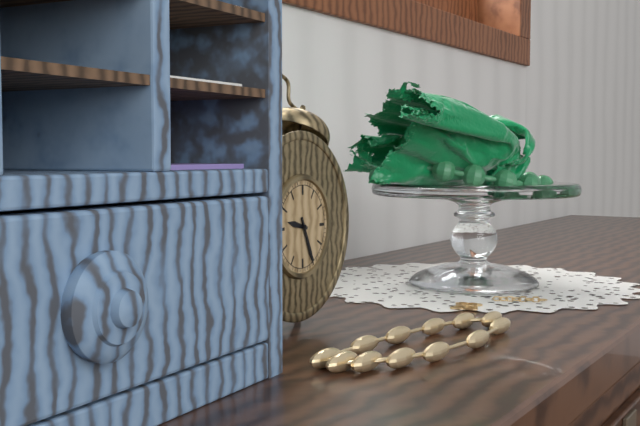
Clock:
9:26
